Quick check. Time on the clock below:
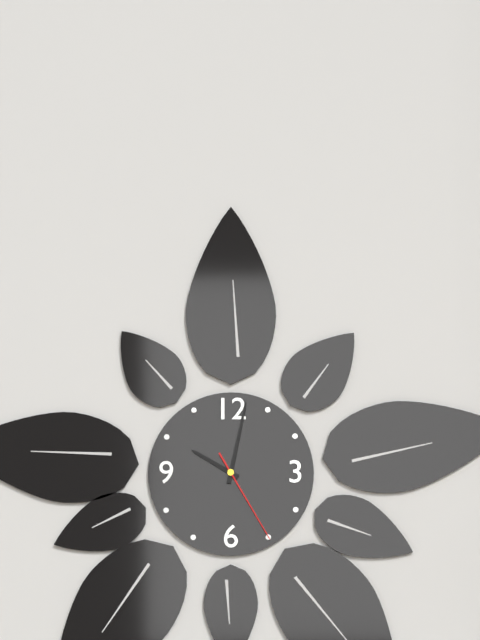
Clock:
10:02:25
